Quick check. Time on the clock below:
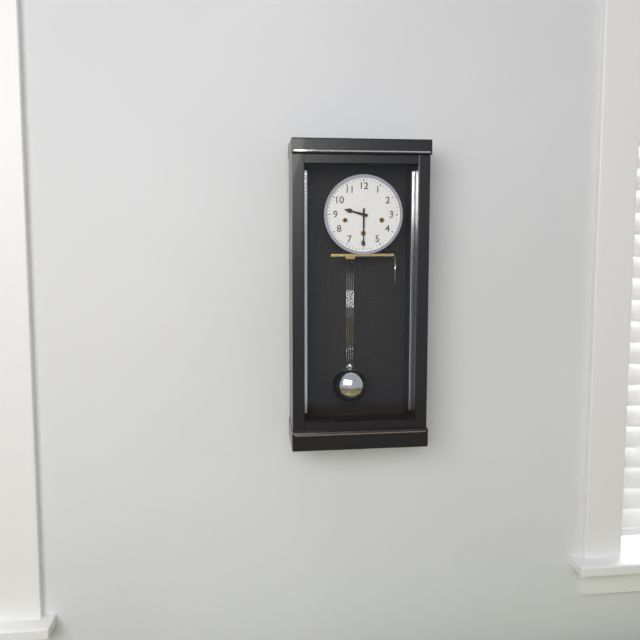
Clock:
9:30
